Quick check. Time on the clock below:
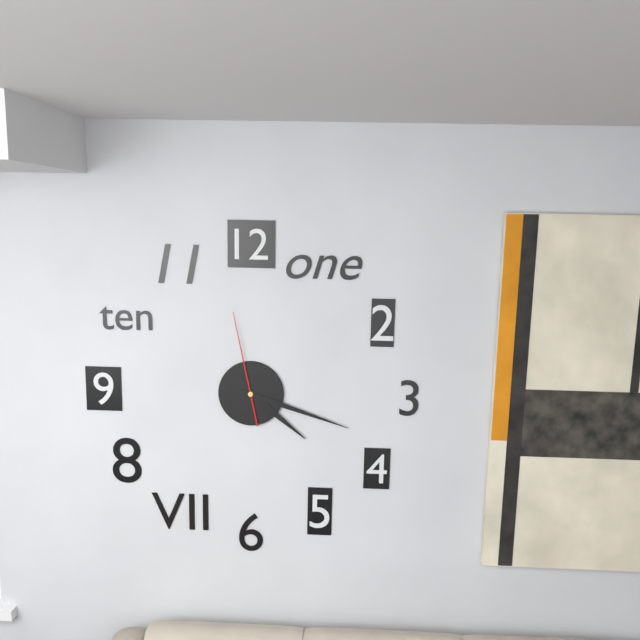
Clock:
4:18:58
